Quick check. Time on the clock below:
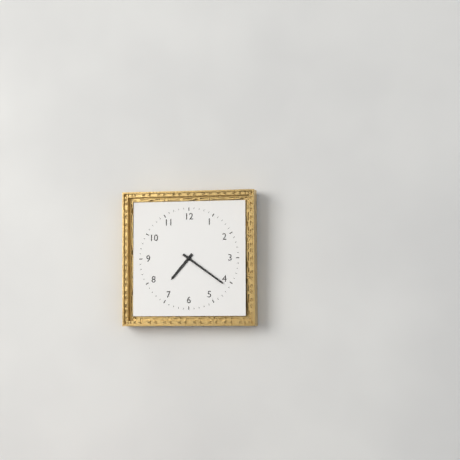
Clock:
7:21
